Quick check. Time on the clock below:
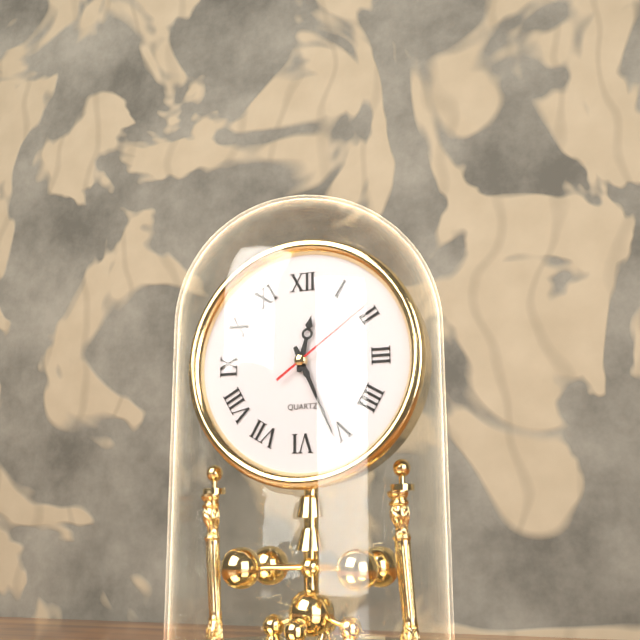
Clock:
12:26:09
